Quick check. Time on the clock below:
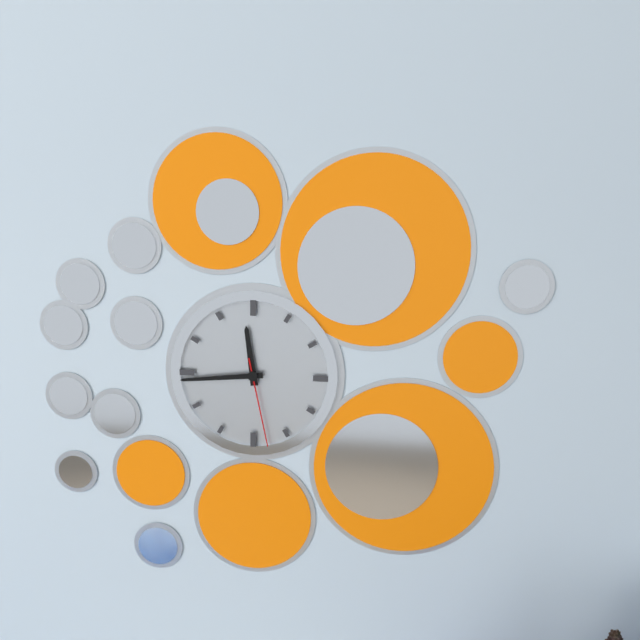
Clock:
11:44:28
